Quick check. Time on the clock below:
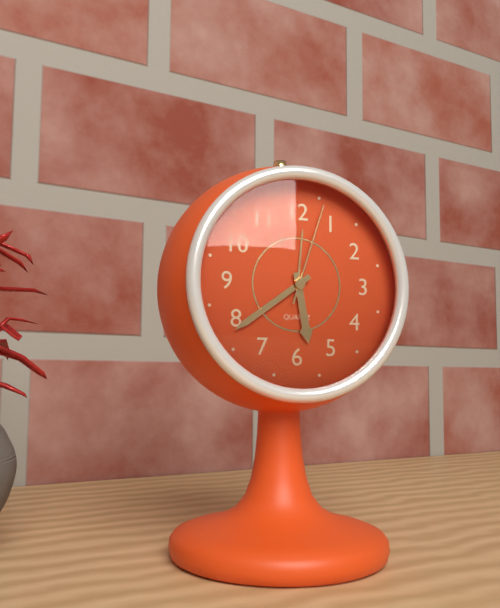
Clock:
5:39:03
